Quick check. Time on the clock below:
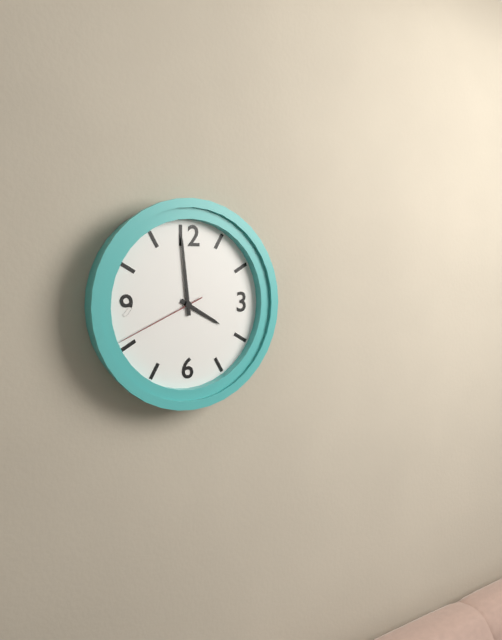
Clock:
3:59:41
